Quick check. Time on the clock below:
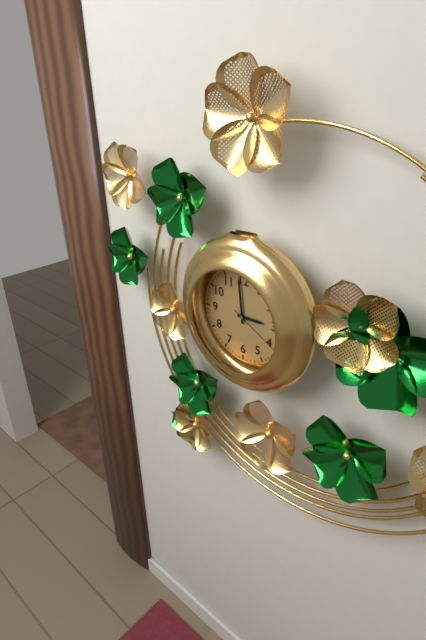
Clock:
2:59:20
